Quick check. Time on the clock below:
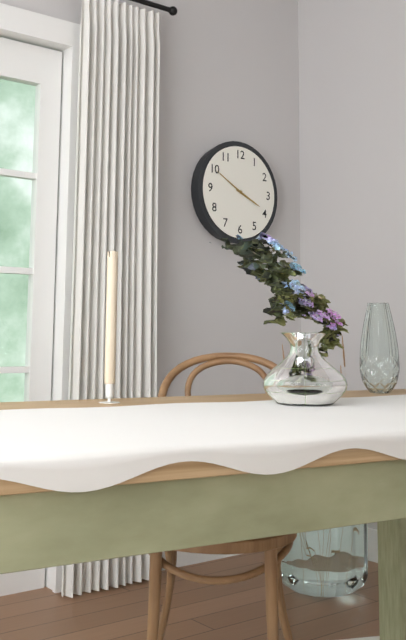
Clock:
3:50
